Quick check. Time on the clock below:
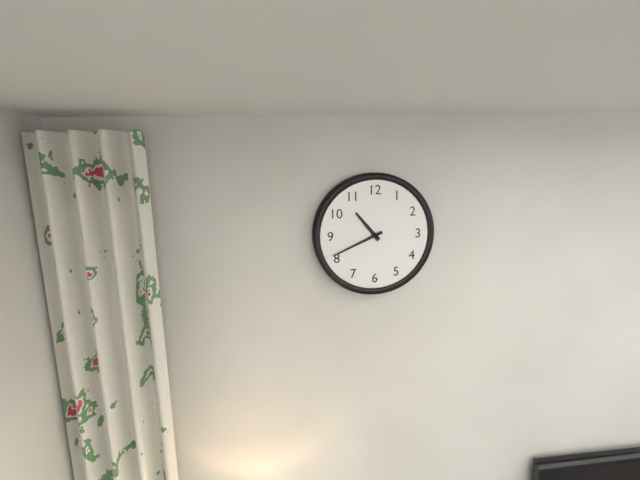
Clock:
10:41
